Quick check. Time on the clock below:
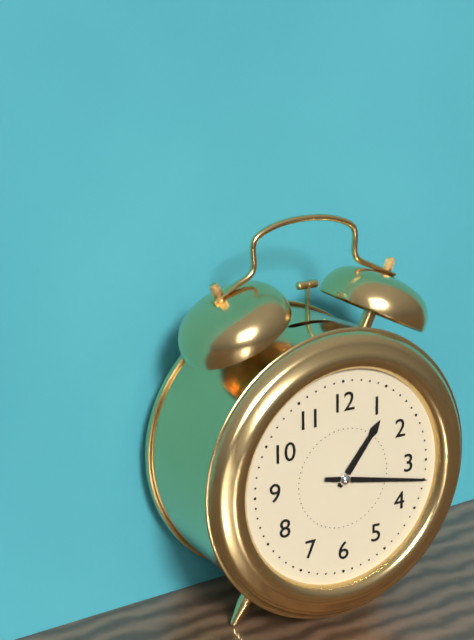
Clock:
1:17
